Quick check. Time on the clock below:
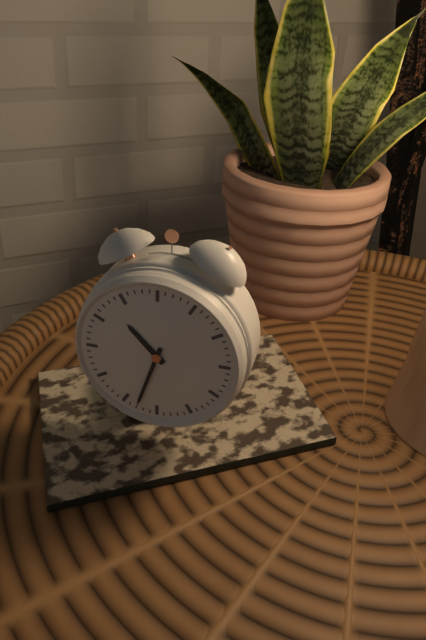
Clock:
10:33
